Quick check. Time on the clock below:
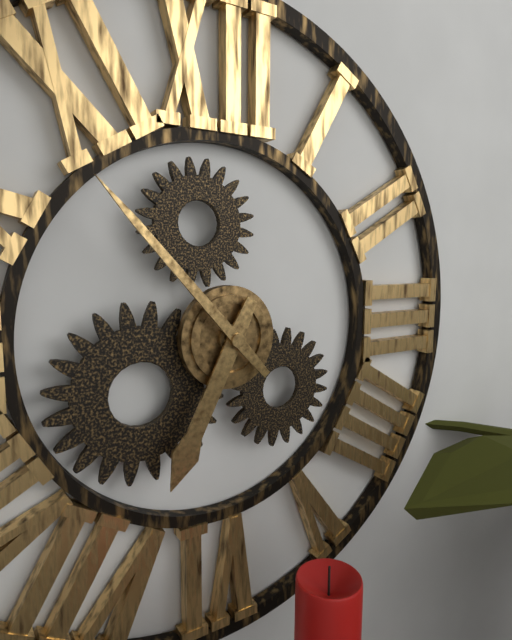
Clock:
6:53
